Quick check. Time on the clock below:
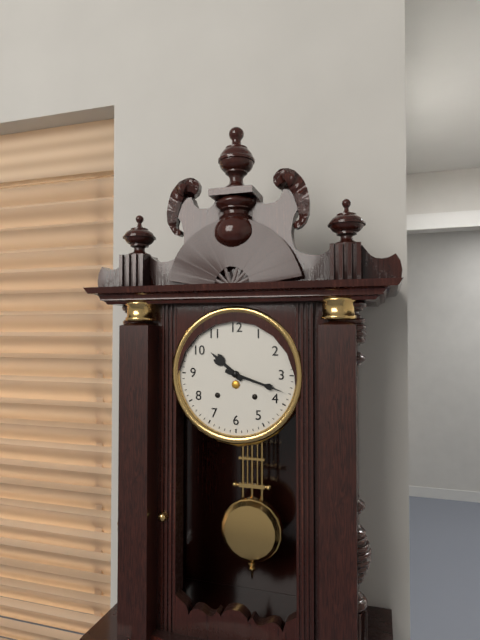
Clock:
10:18
